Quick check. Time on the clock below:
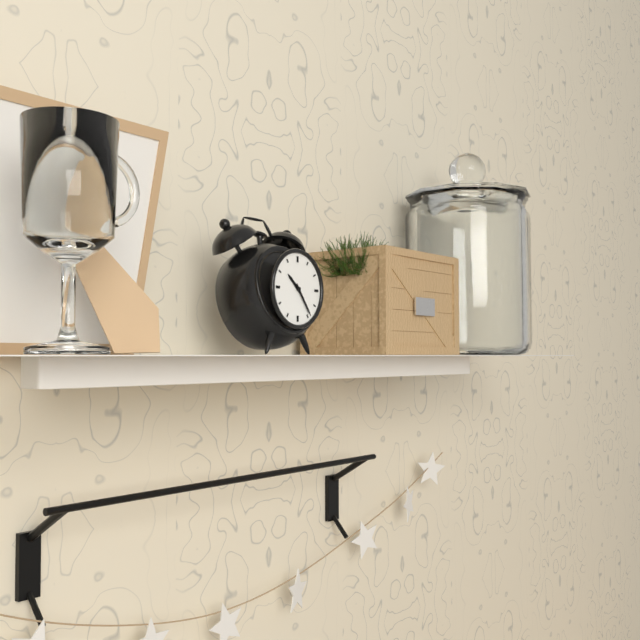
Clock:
10:24
